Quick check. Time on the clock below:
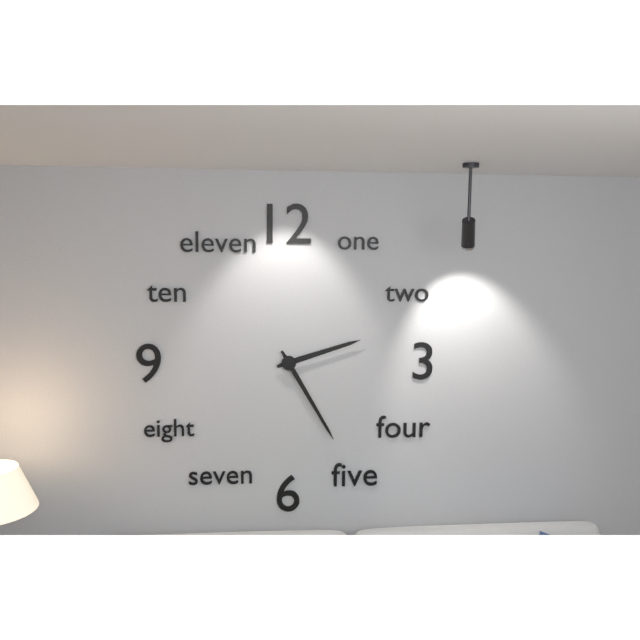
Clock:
2:25
